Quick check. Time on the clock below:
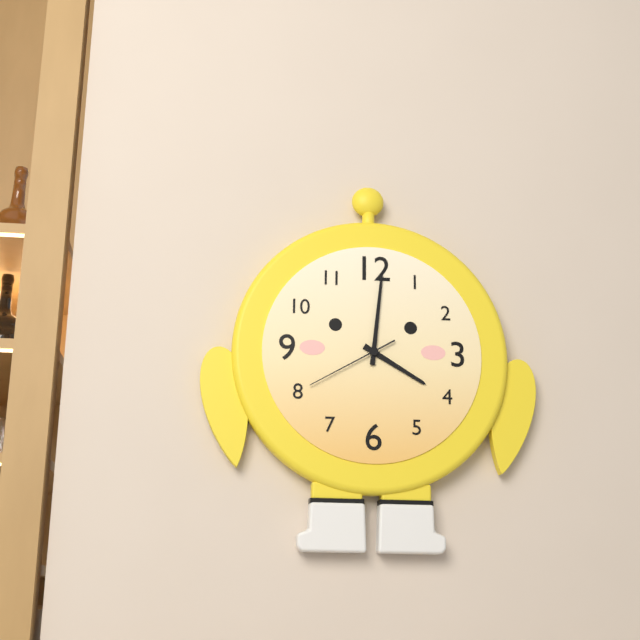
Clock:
4:01:40
